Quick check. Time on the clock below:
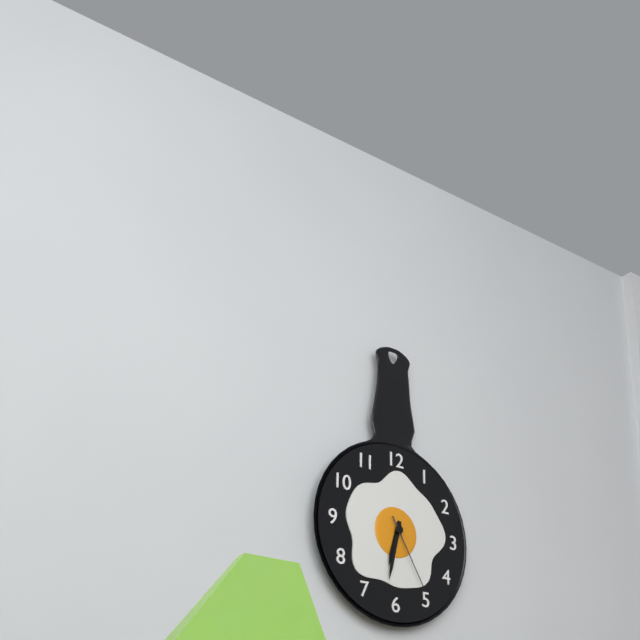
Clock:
6:32:25
